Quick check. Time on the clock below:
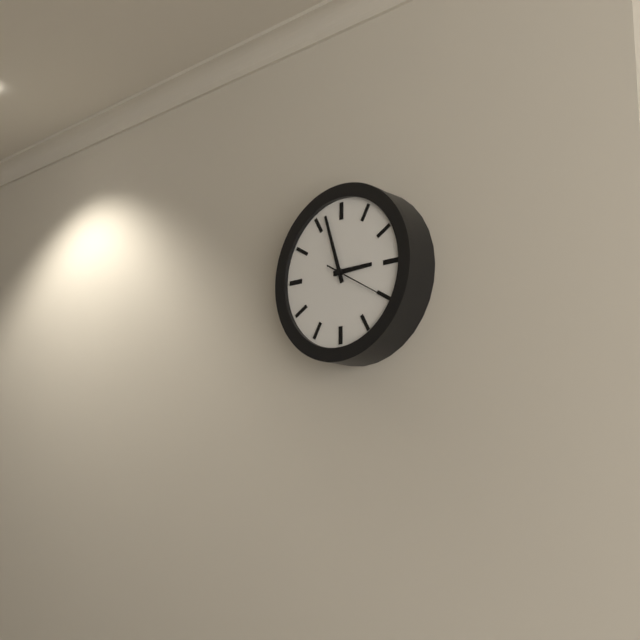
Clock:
2:57
